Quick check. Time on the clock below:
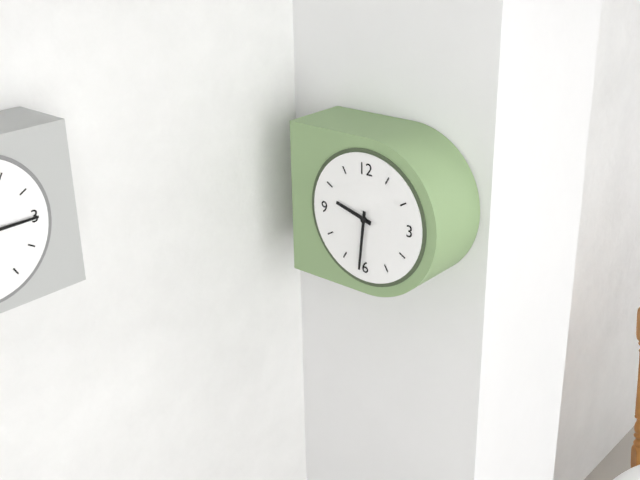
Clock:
9:31
